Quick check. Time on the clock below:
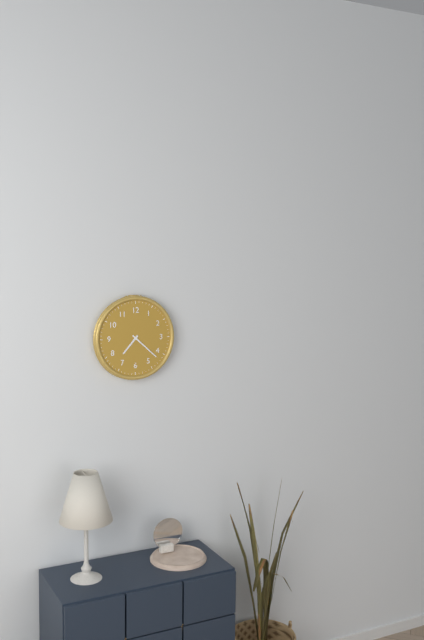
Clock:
7:22
